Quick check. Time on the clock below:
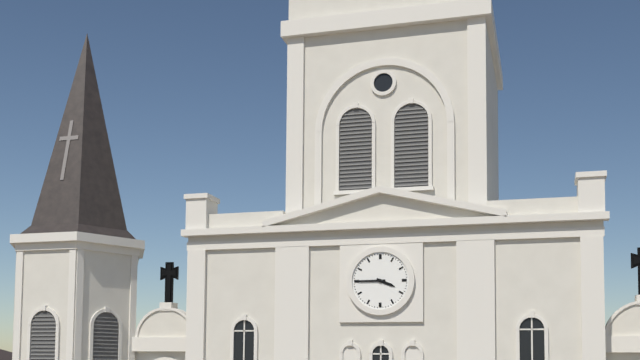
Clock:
3:45
